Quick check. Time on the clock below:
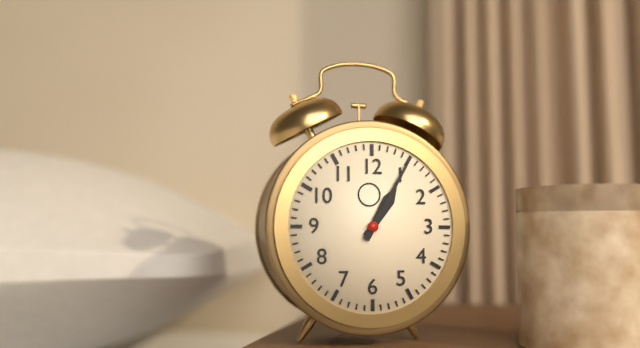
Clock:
1:05
